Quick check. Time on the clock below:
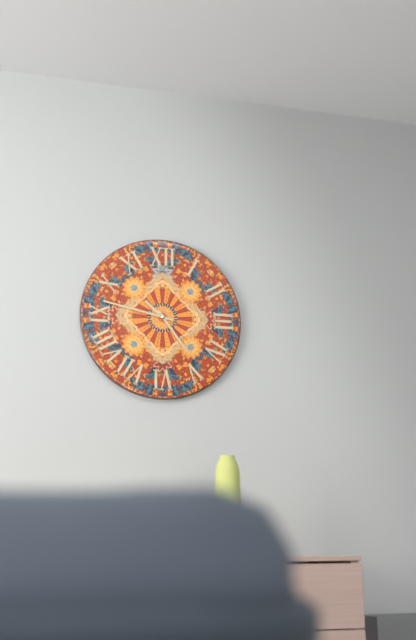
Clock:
10:24:47
